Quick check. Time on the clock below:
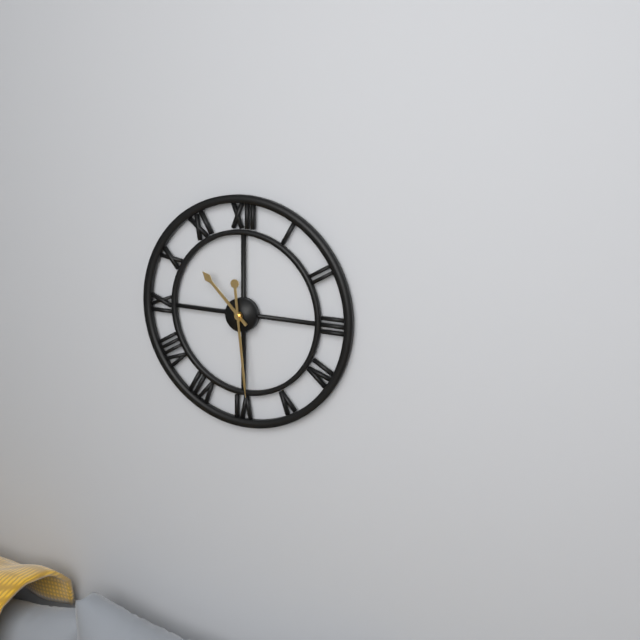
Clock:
10:29
